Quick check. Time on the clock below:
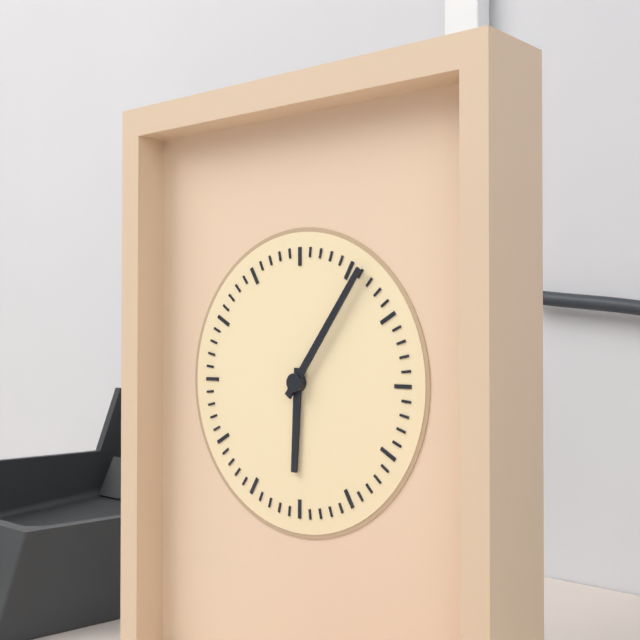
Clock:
6:06
